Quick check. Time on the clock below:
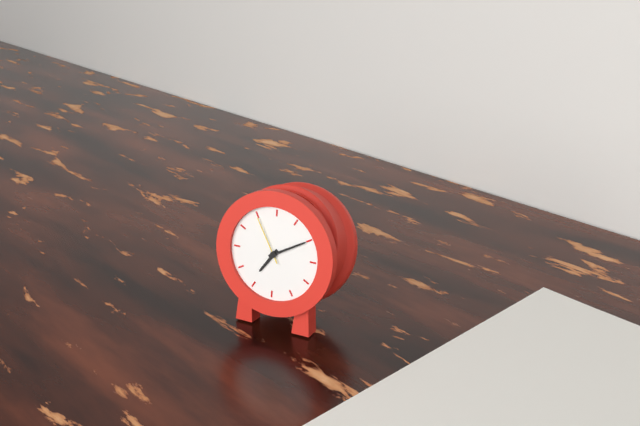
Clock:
7:10:55
